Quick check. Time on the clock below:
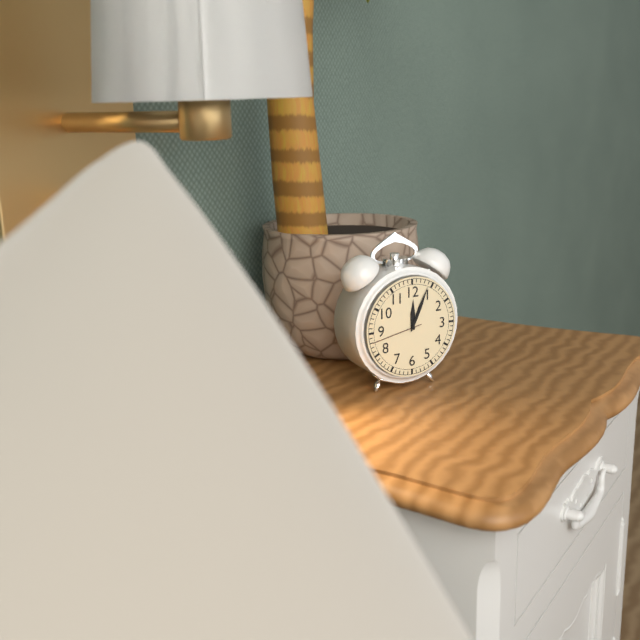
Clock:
12:04:43
